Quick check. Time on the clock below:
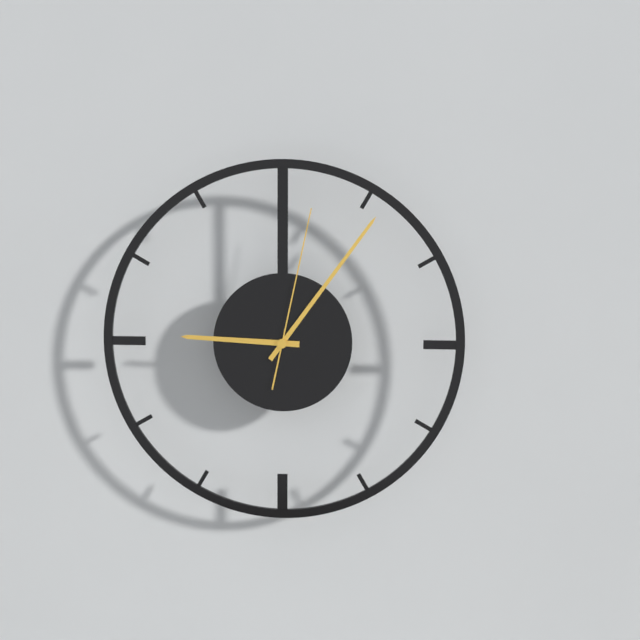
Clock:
9:06:02
